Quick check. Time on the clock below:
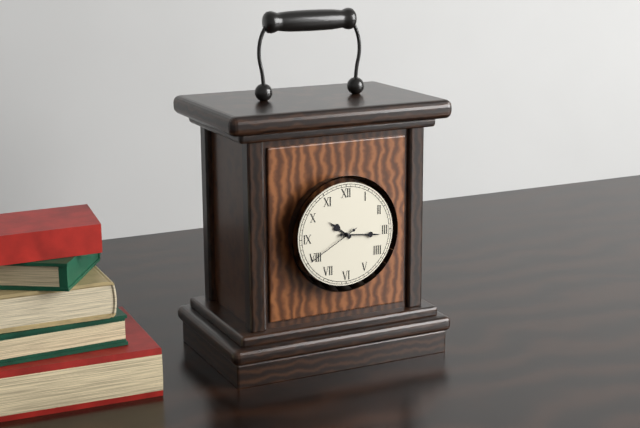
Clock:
10:16:40
